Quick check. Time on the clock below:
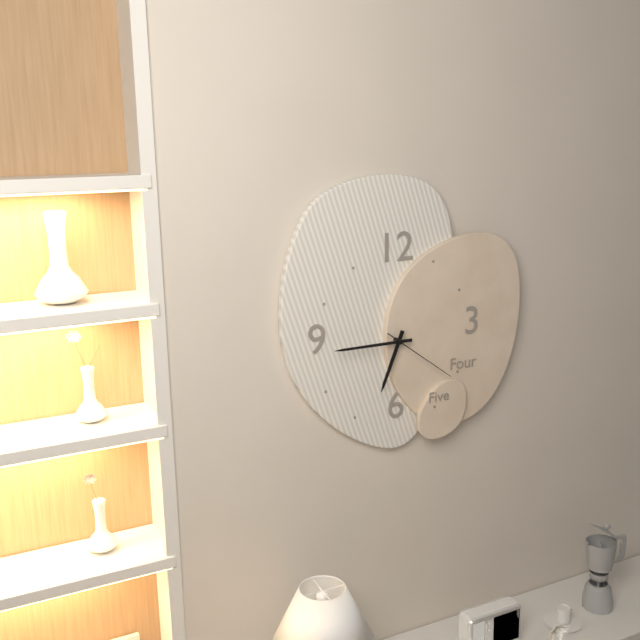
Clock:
6:45:21
